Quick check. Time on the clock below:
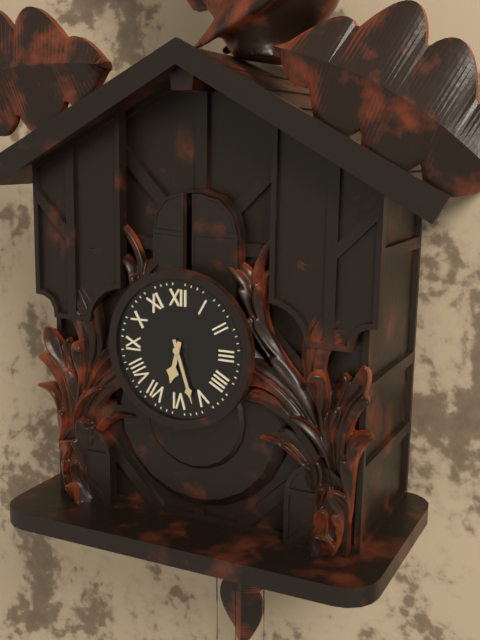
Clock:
6:27
